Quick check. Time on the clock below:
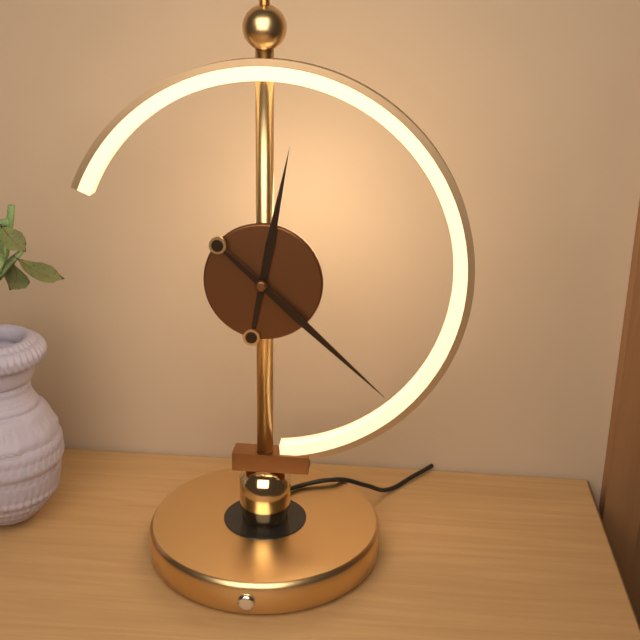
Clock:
12:22
